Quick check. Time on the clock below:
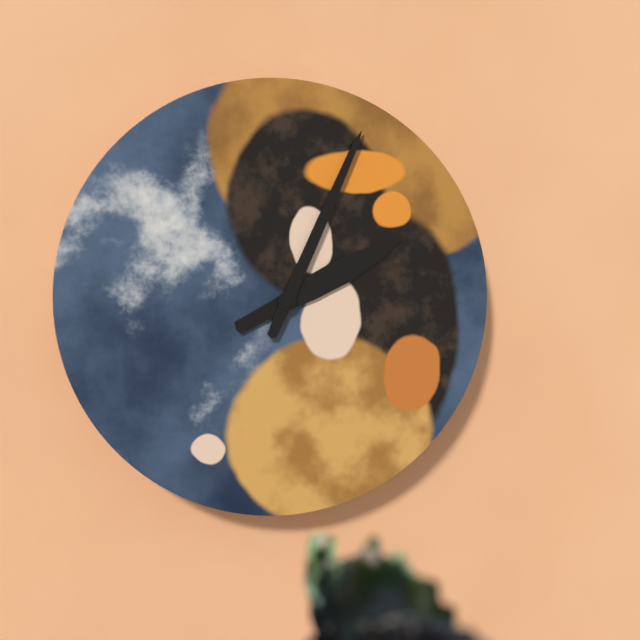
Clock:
2:04
